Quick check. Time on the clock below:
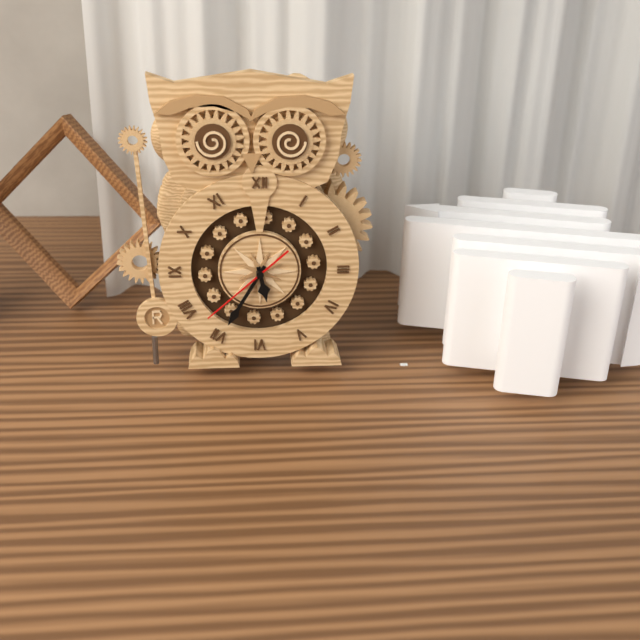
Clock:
5:35:38
